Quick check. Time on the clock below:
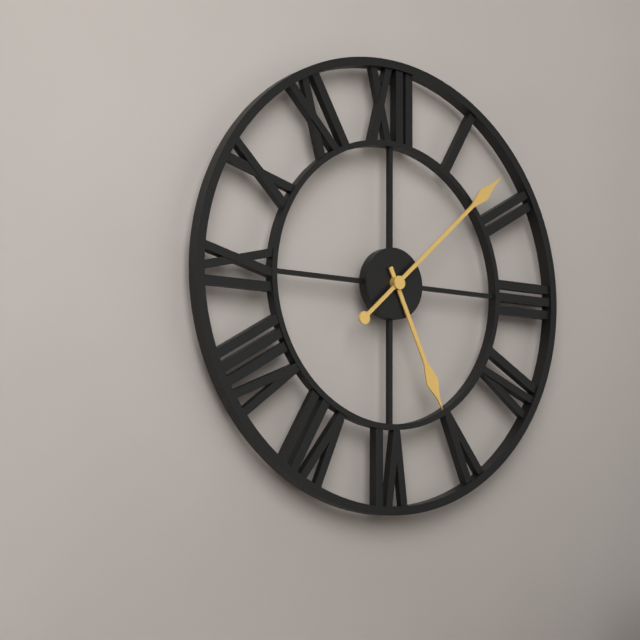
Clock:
5:08
